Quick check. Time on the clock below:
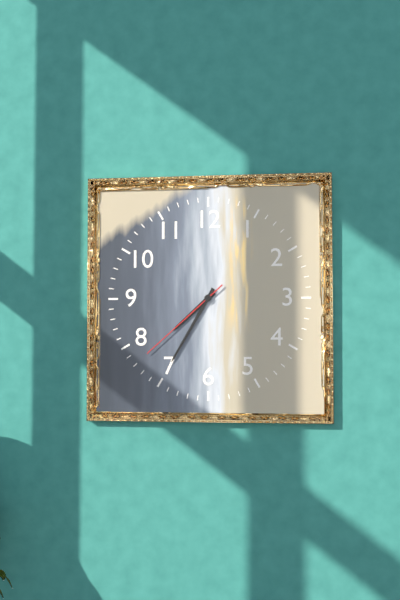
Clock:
7:35:38
